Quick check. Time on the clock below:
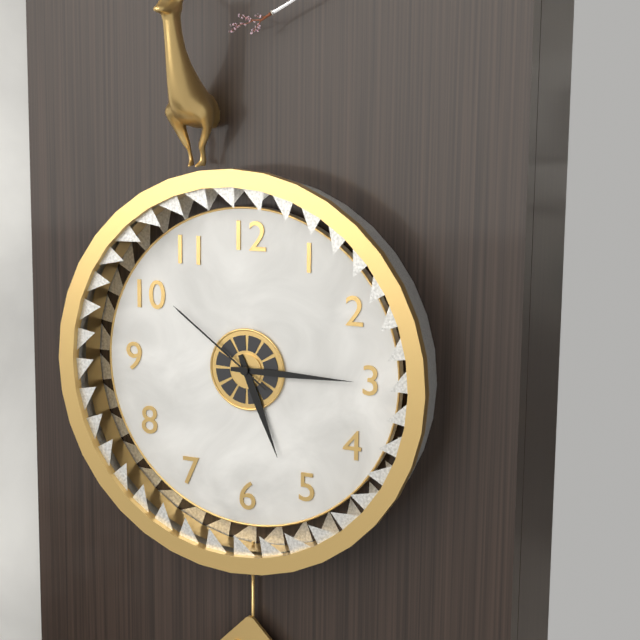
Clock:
5:15:51
